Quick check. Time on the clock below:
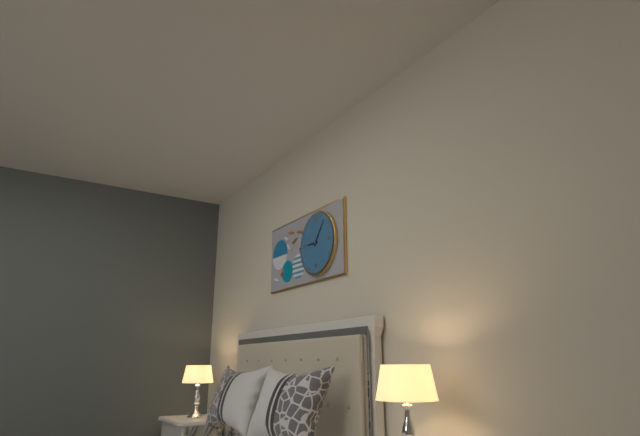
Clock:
9:06
